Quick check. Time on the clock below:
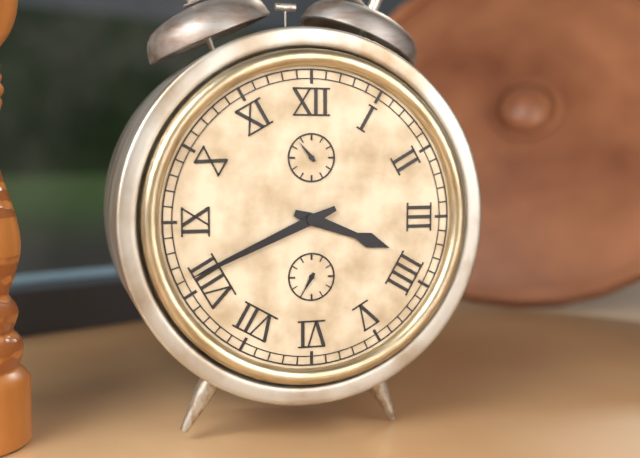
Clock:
3:41
